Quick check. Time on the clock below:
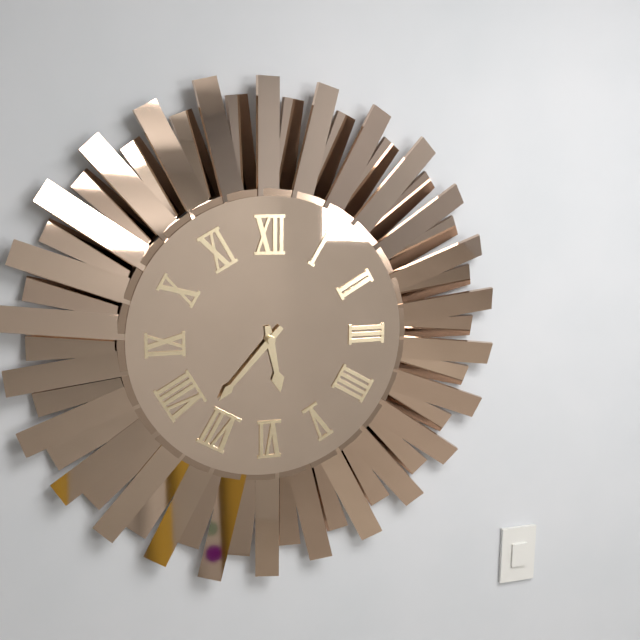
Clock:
5:37
